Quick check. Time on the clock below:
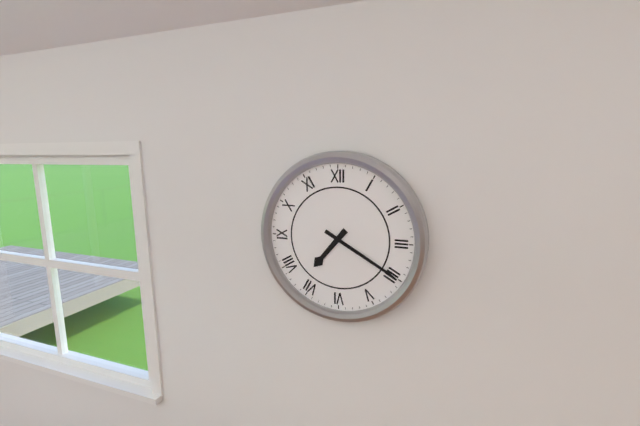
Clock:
7:20
